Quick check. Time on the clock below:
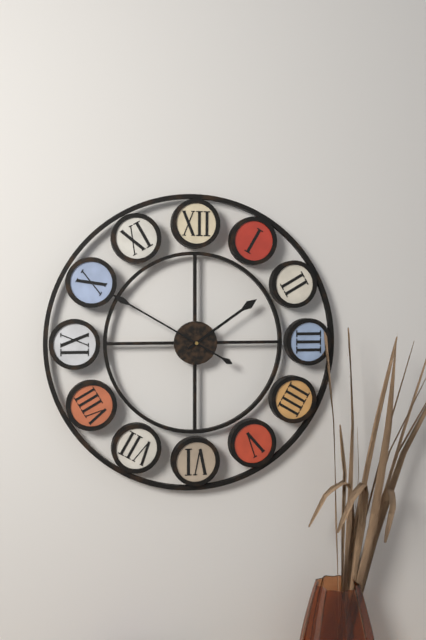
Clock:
1:50
